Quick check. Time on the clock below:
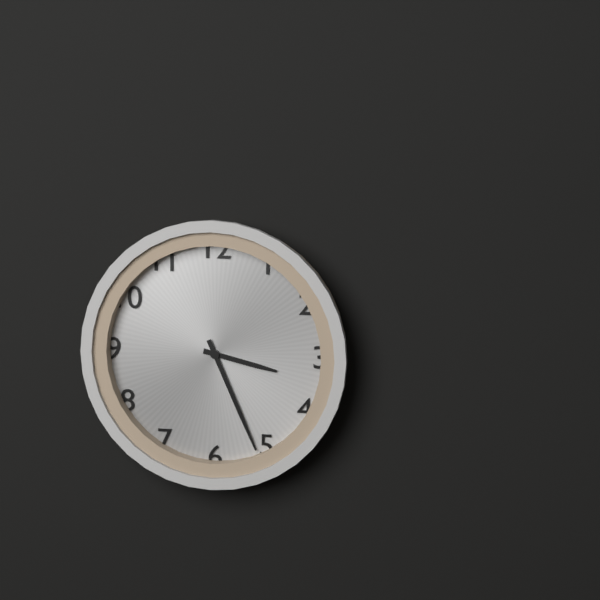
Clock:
3:26
